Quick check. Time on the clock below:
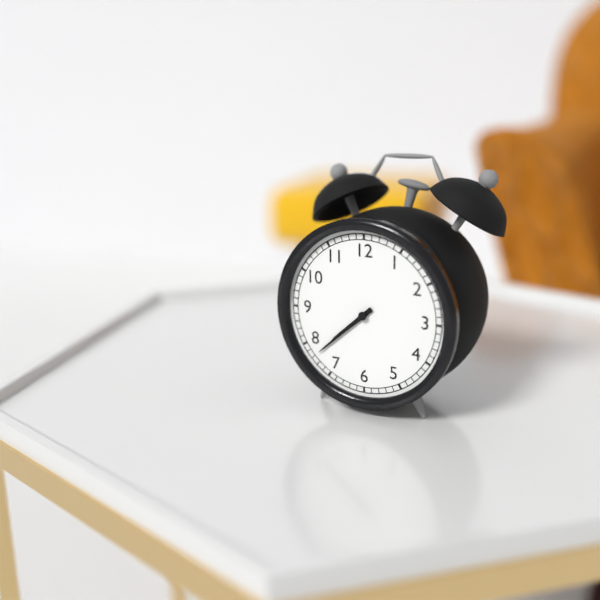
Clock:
7:38
